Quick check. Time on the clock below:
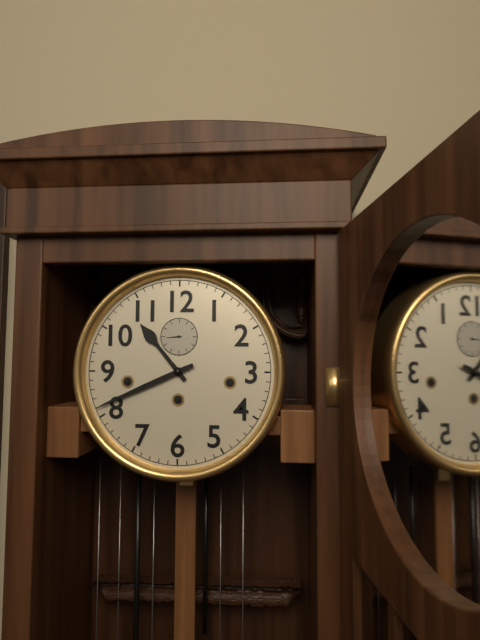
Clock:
10:41
